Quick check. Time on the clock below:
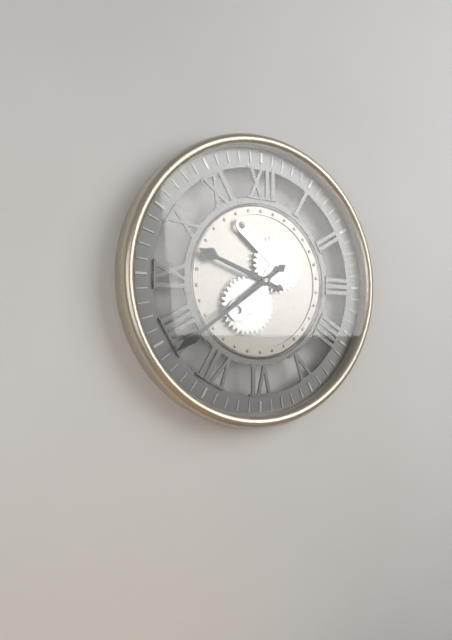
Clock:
9:39
